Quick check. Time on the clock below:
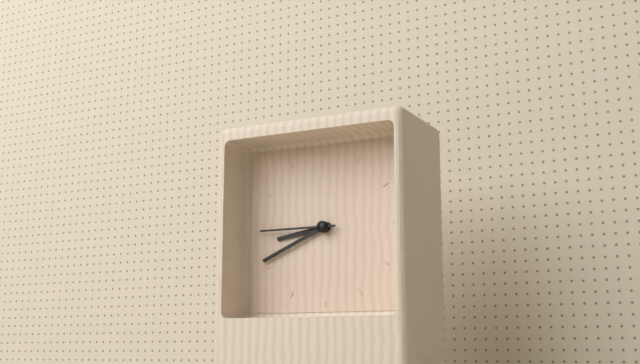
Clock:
8:41:45
